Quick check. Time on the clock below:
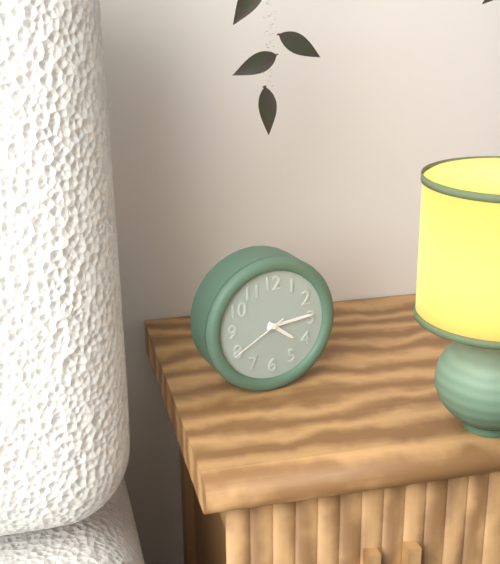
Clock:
4:14:40
